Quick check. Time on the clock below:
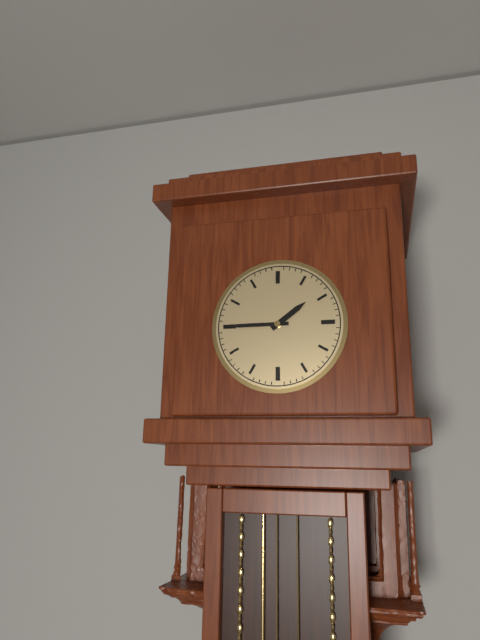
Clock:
1:45
